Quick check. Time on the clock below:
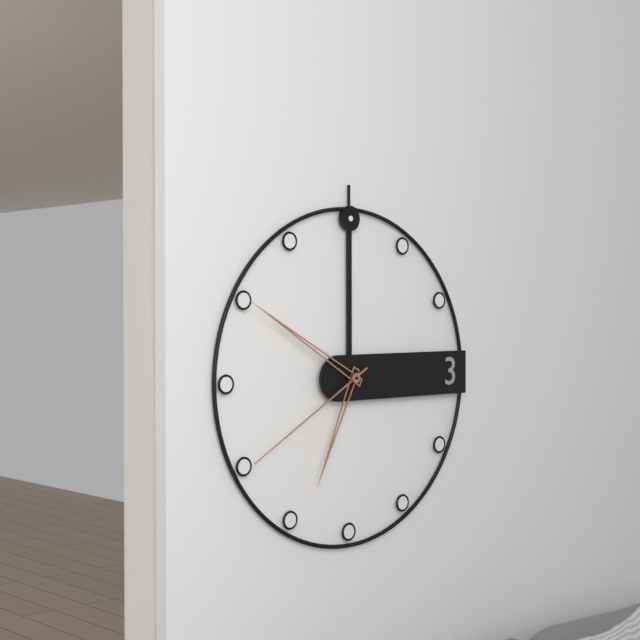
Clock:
6:50:40
